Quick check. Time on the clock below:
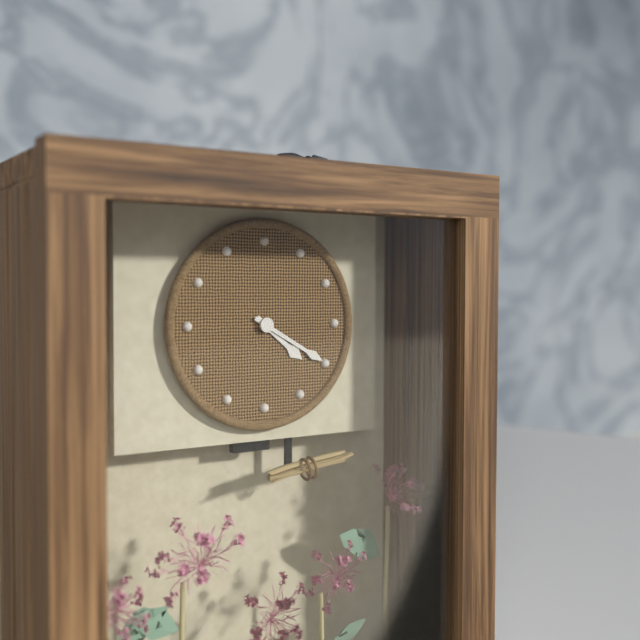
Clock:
4:20
